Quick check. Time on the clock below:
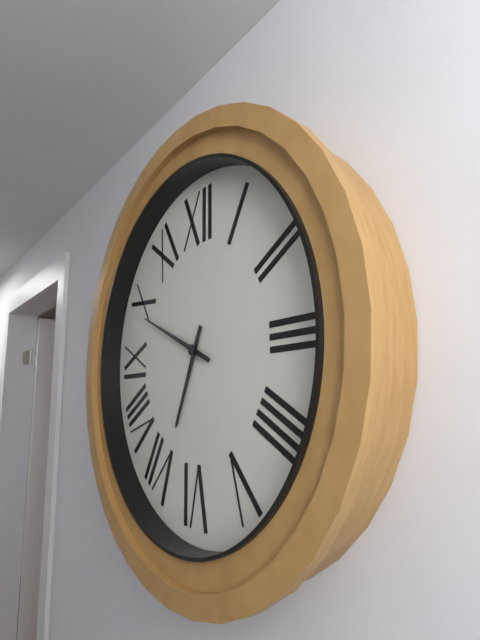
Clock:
6:49
